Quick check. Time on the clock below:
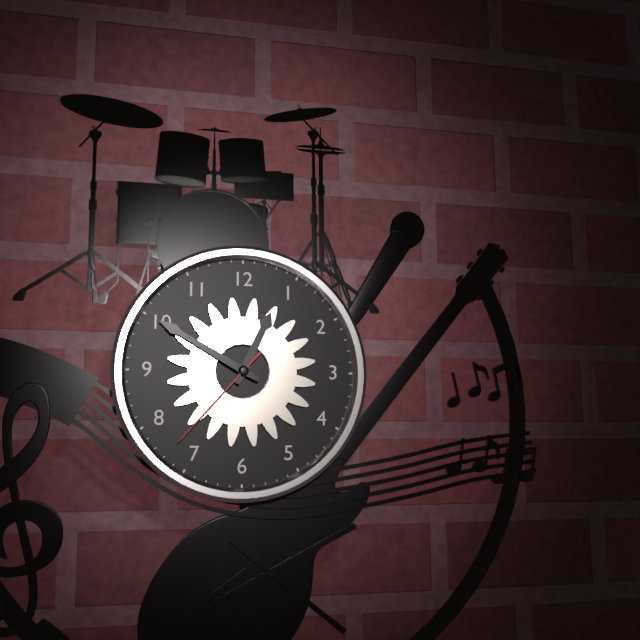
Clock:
12:50:37
